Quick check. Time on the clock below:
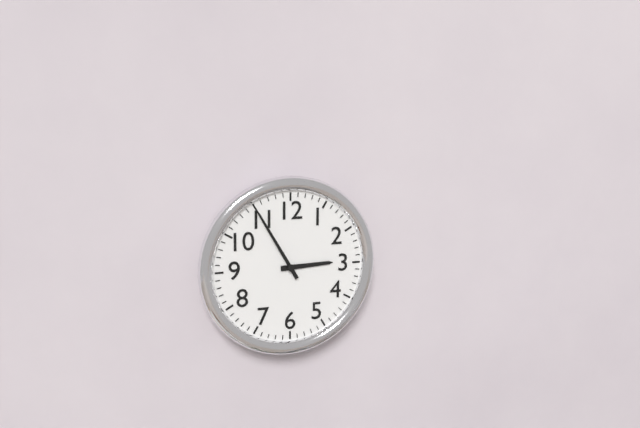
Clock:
2:55
